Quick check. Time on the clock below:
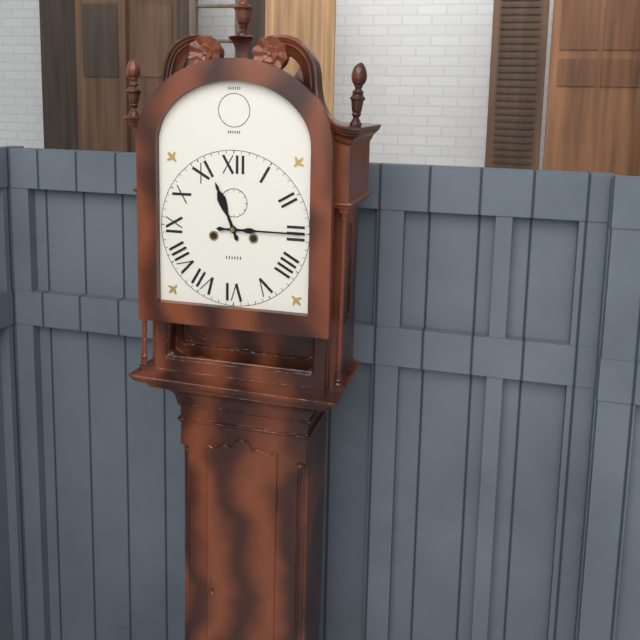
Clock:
11:15
